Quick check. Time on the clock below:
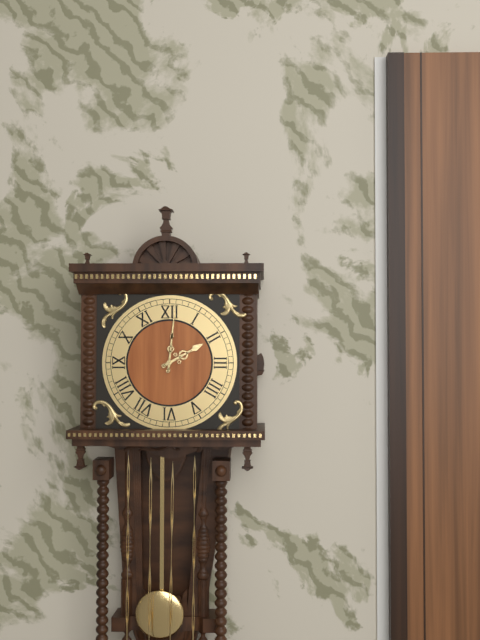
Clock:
2:01
